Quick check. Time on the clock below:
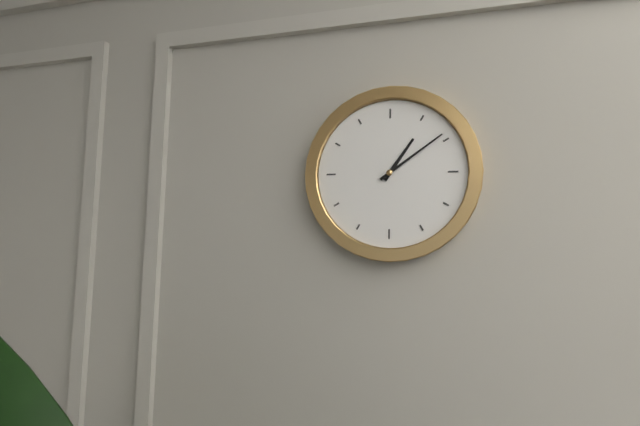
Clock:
1:09
